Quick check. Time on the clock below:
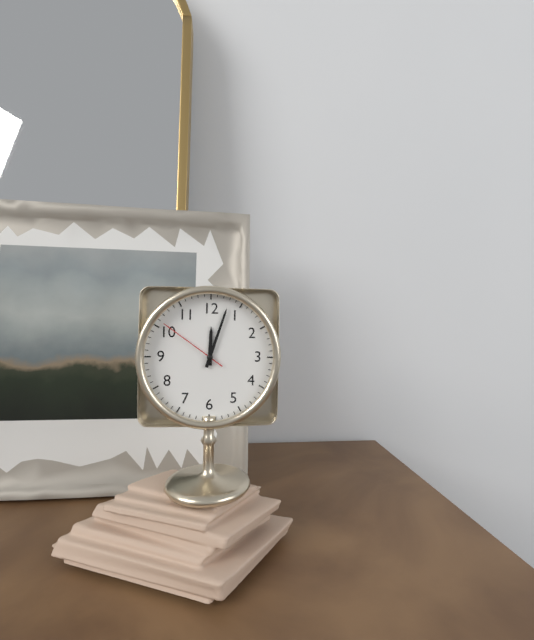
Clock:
12:03:51
